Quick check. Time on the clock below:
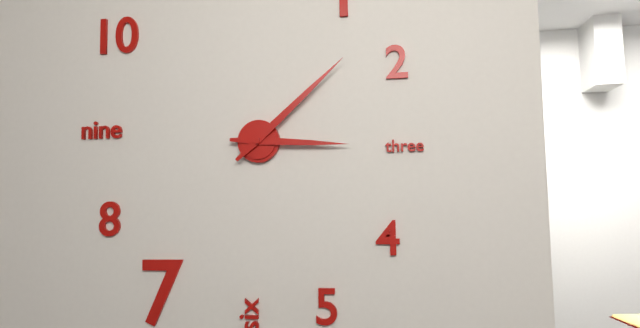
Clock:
3:08
